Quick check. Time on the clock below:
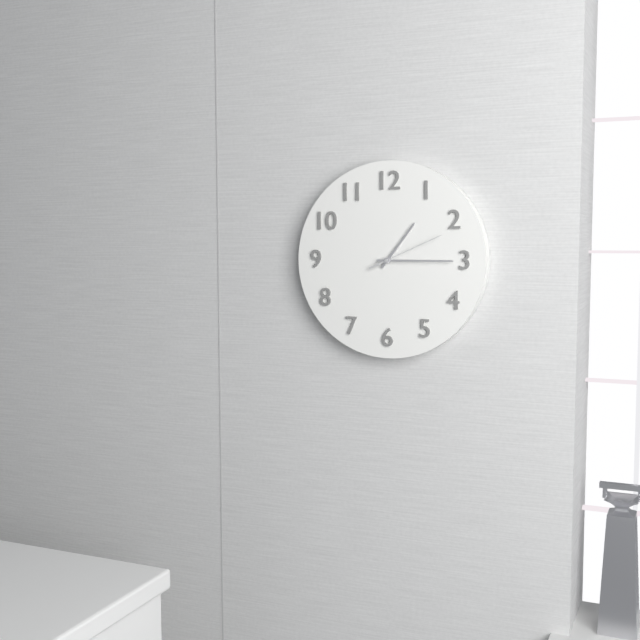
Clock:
1:15:11
